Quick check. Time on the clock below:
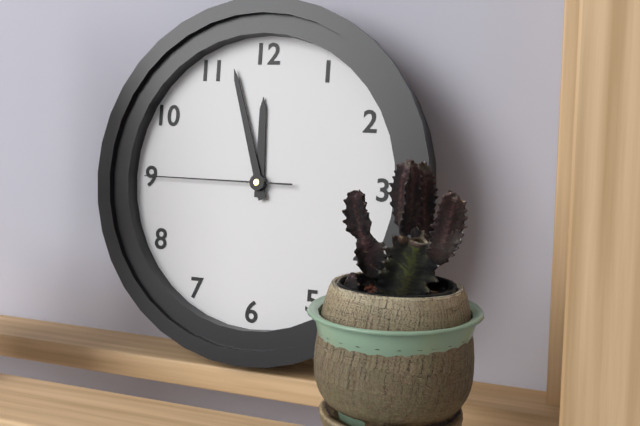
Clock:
11:57:45
